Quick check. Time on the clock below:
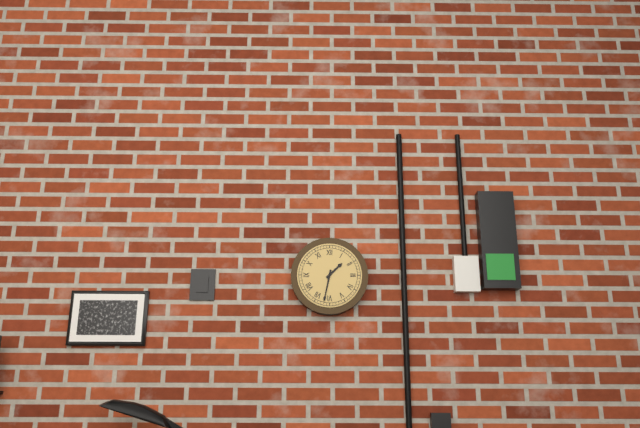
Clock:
1:32
